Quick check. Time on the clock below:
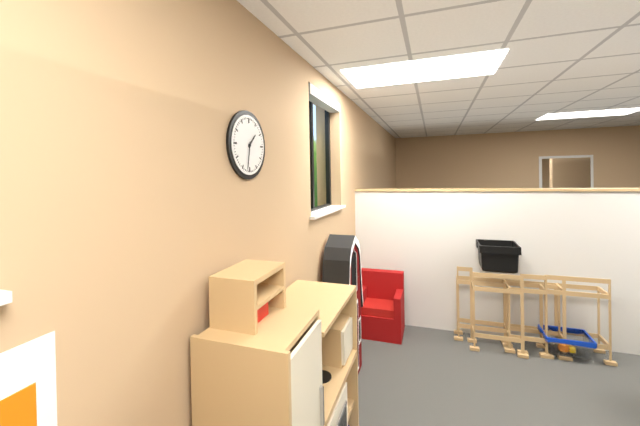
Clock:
1:32
